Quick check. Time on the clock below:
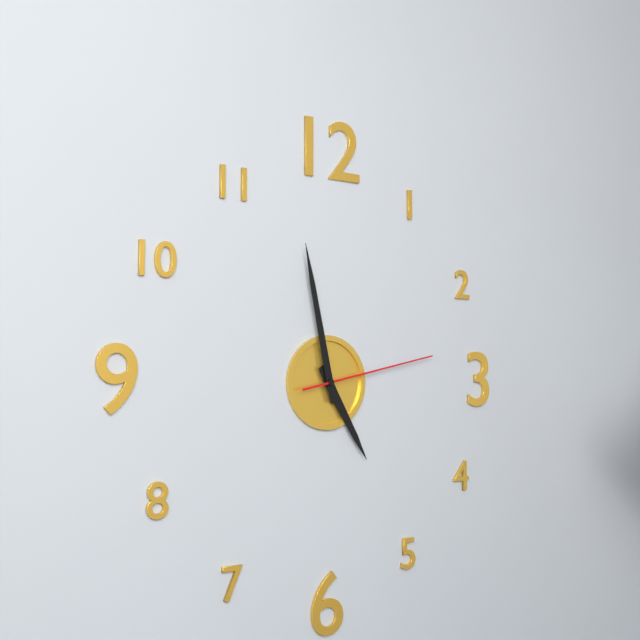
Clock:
4:58:13
